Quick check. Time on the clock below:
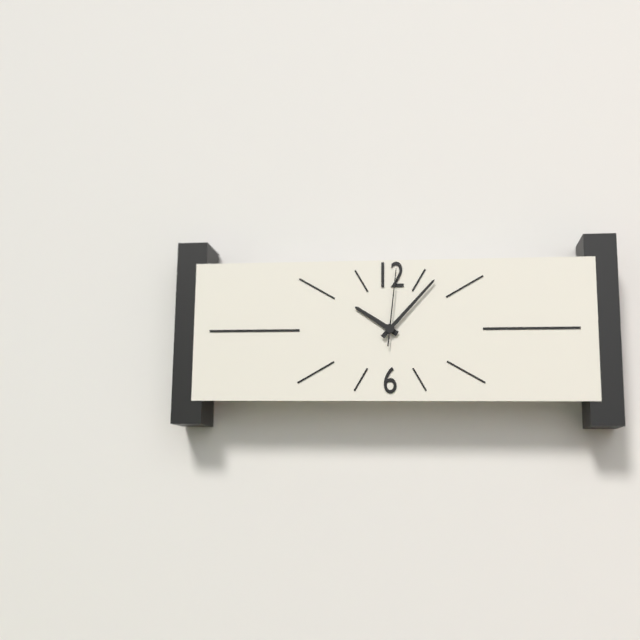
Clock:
10:07:01
